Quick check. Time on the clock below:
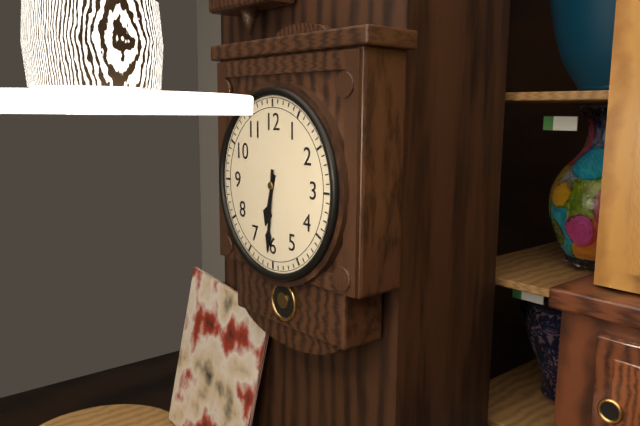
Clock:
6:31
